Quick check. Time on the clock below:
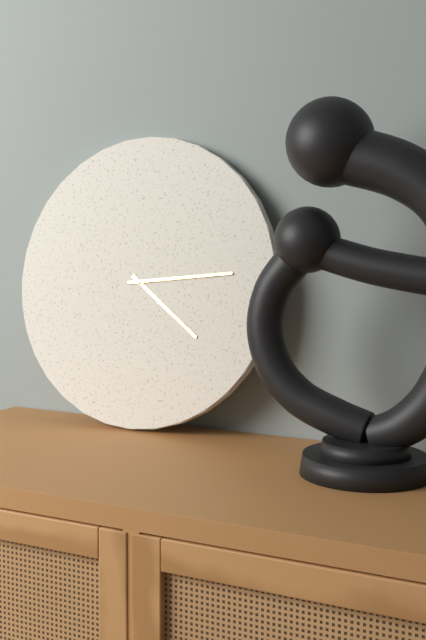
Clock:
4:14
